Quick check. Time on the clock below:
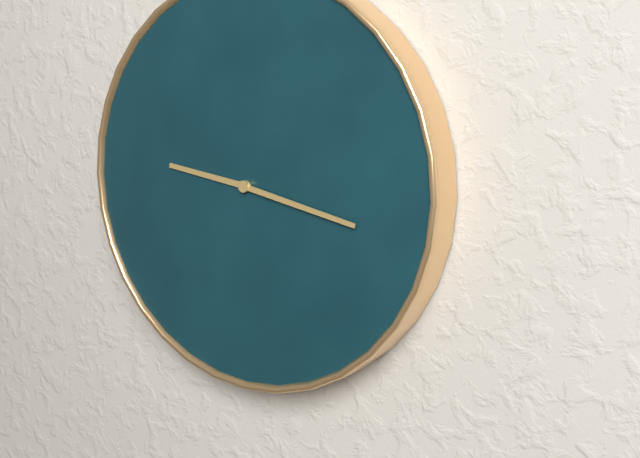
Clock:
9:17
